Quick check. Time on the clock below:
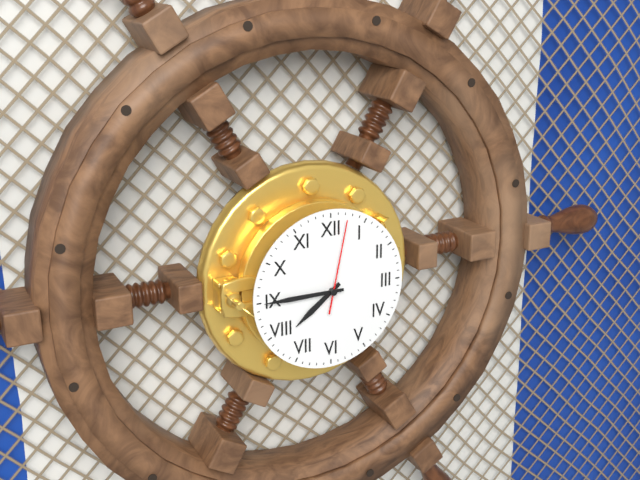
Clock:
7:45:02
